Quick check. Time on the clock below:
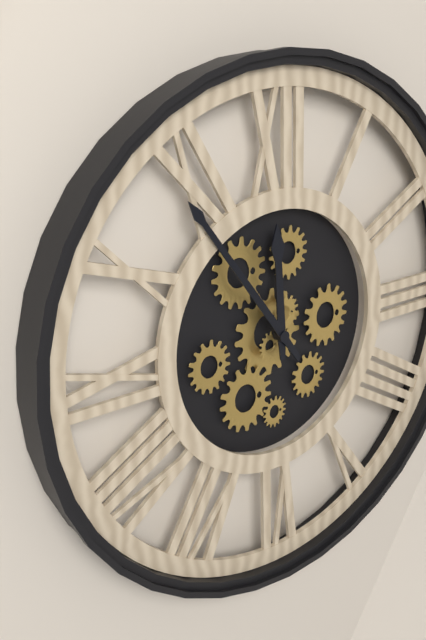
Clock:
11:54
